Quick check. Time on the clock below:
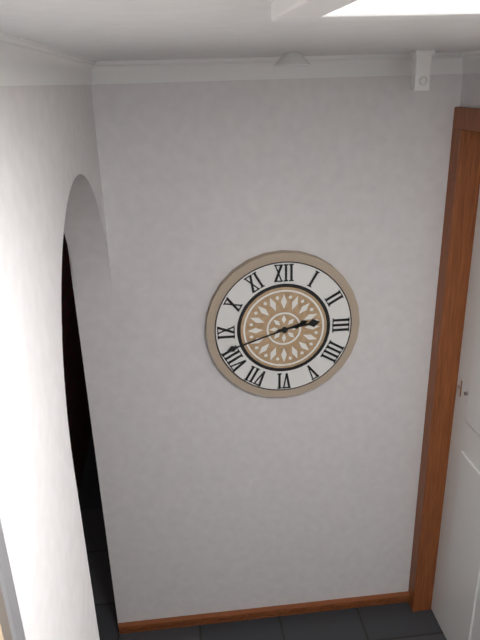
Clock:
2:42
